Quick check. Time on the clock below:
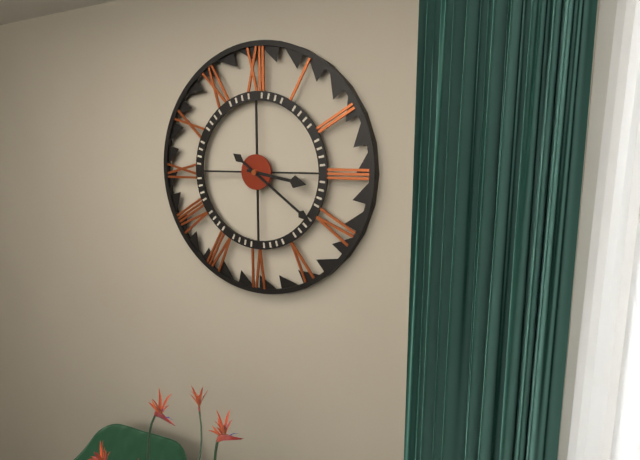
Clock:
3:21
